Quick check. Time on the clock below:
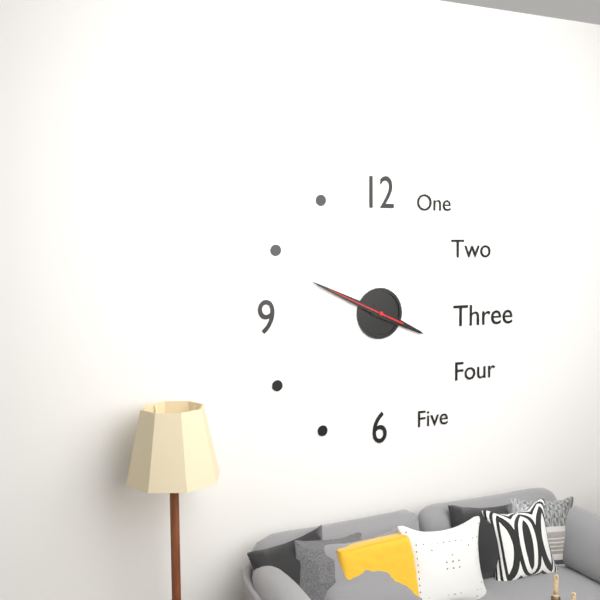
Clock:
3:49:49
